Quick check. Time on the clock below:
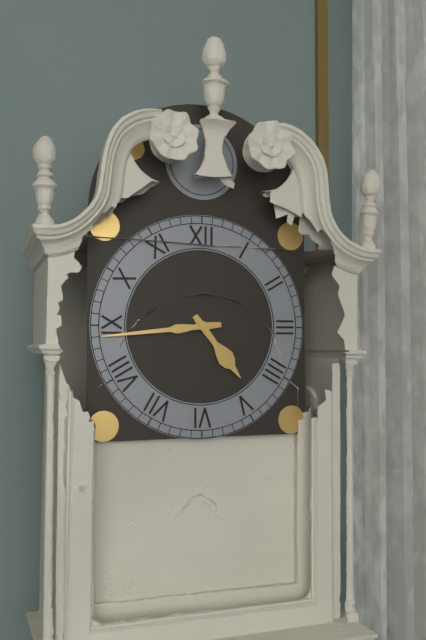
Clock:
4:44
